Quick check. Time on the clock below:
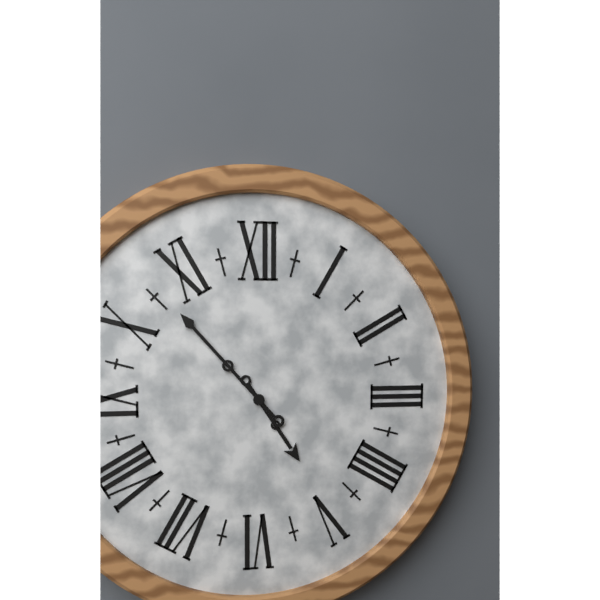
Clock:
4:53
